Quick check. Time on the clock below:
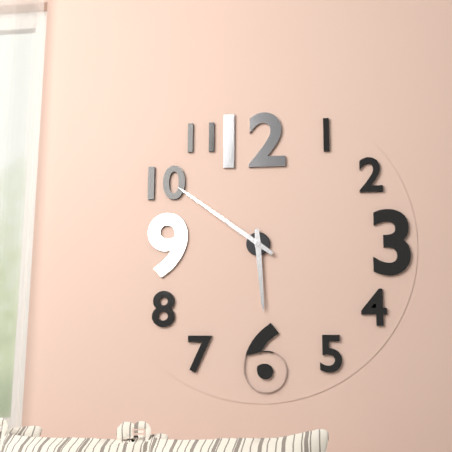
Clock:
5:51
